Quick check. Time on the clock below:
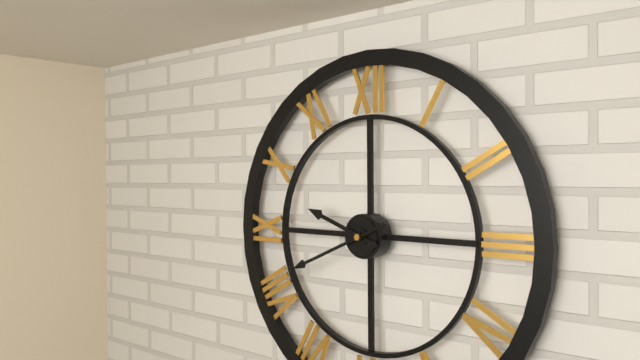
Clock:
9:41
